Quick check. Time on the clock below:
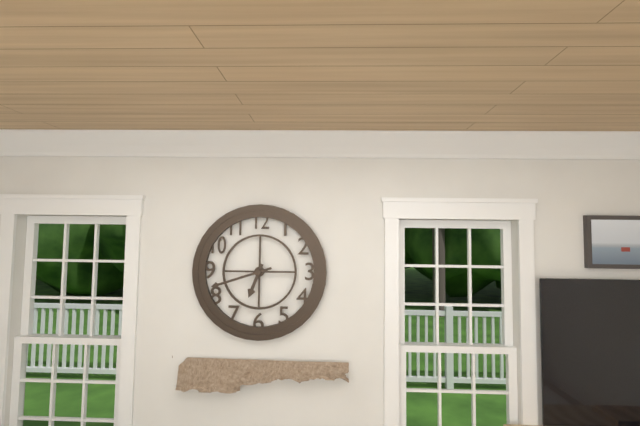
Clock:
6:42
